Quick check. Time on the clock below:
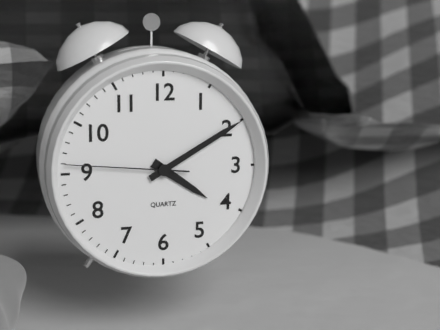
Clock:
4:10:46
